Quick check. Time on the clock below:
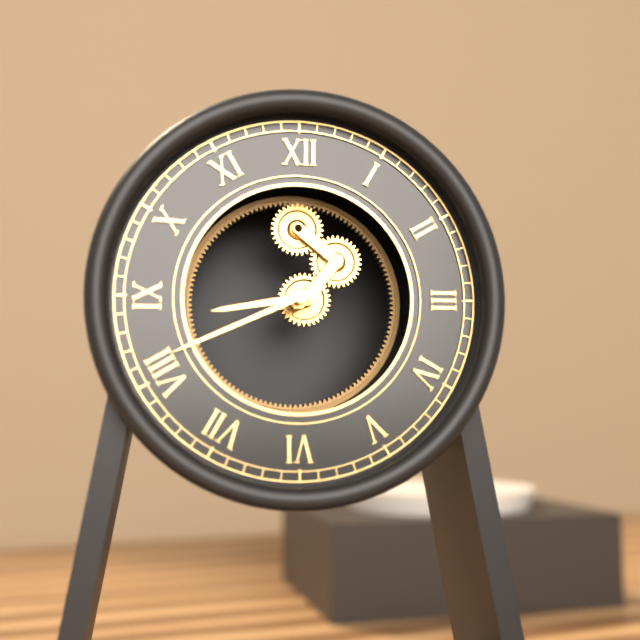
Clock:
8:41
